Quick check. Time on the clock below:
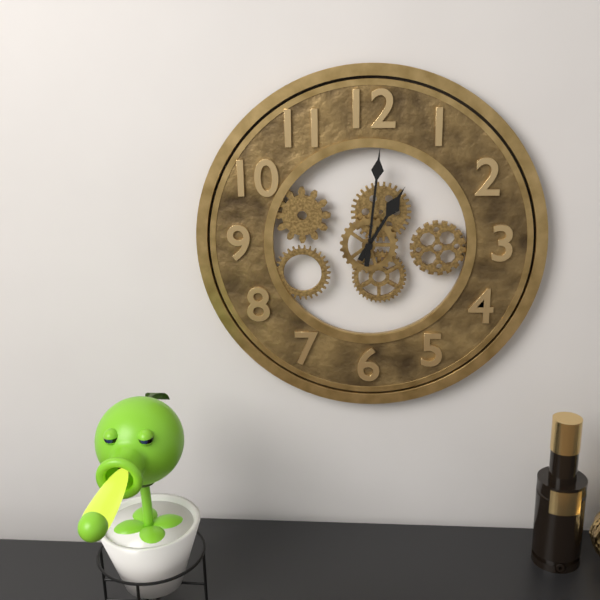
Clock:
1:01
